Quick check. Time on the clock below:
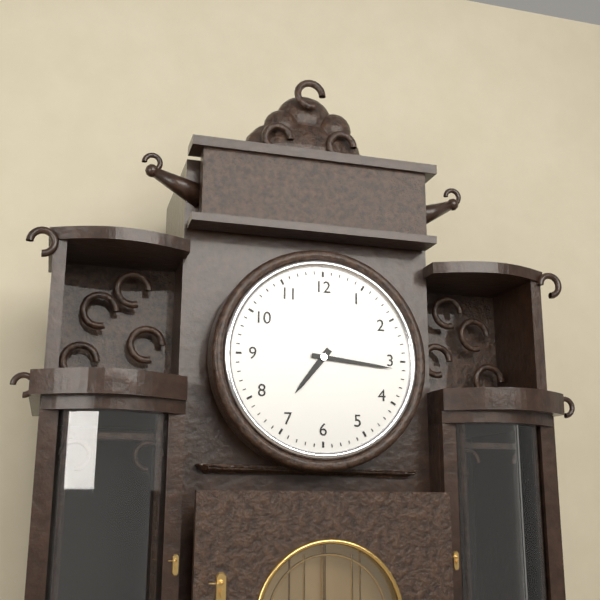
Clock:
7:16
